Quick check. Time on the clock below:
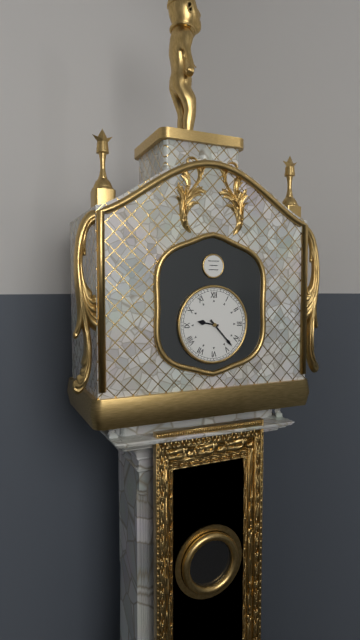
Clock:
9:23
